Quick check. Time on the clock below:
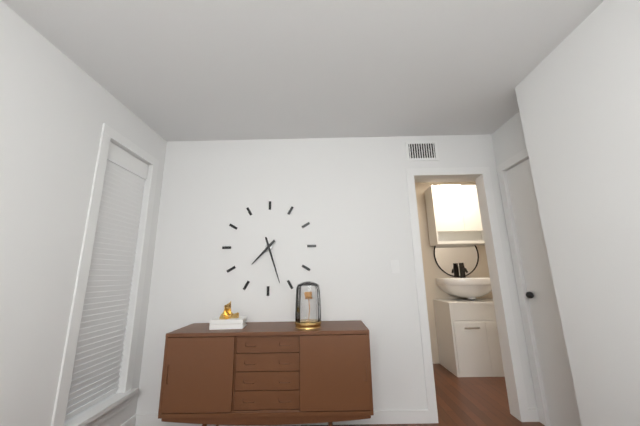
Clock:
7:27
